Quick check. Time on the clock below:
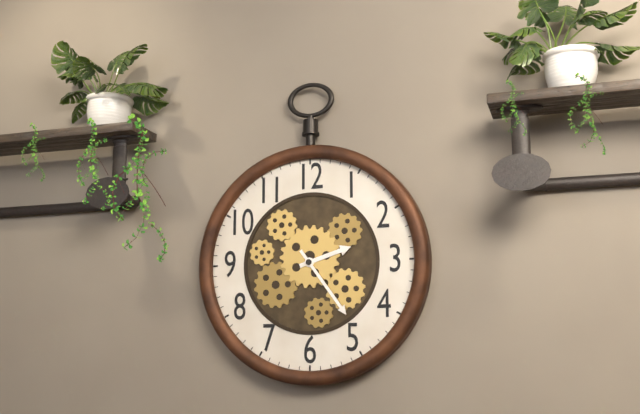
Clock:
2:24
